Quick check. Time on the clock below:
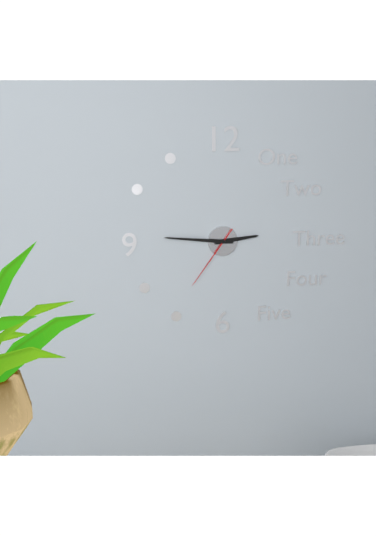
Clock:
2:46:36
